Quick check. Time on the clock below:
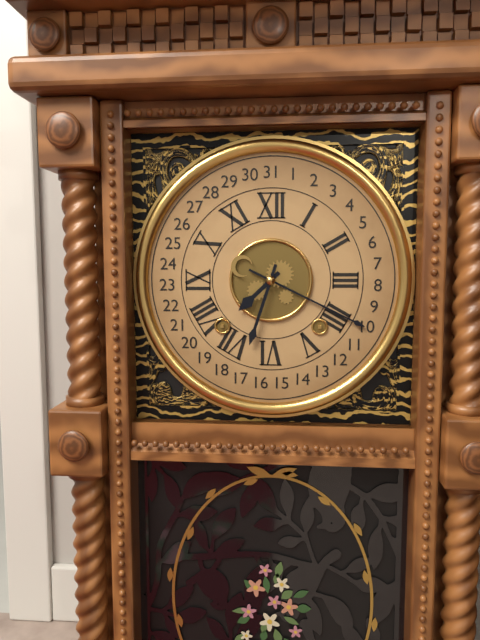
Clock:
7:33
